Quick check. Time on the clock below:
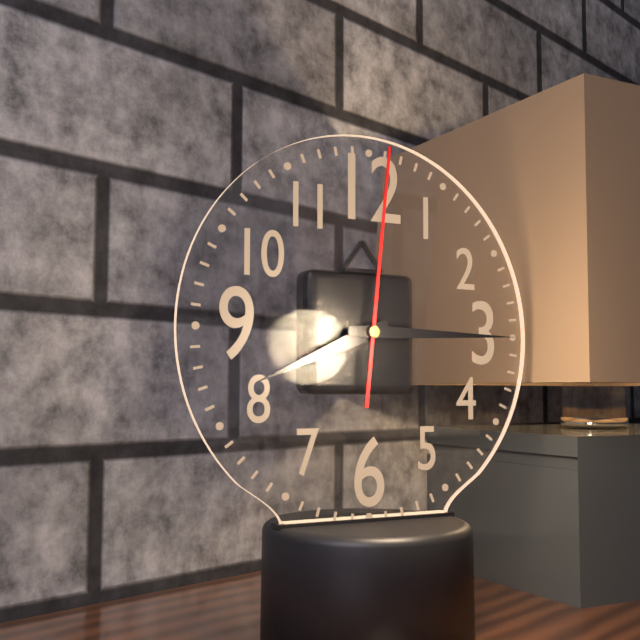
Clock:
8:15:01
